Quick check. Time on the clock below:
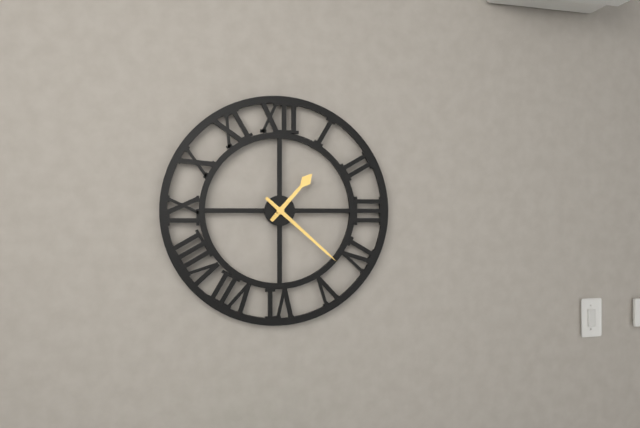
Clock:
1:22
